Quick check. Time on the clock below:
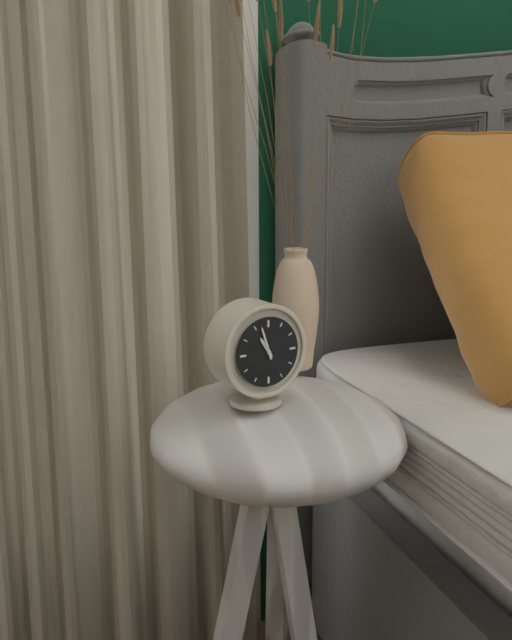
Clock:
10:57
